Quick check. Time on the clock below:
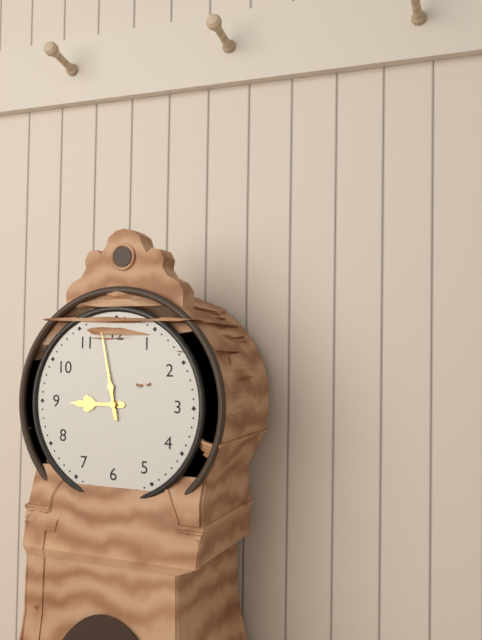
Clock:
8:58
